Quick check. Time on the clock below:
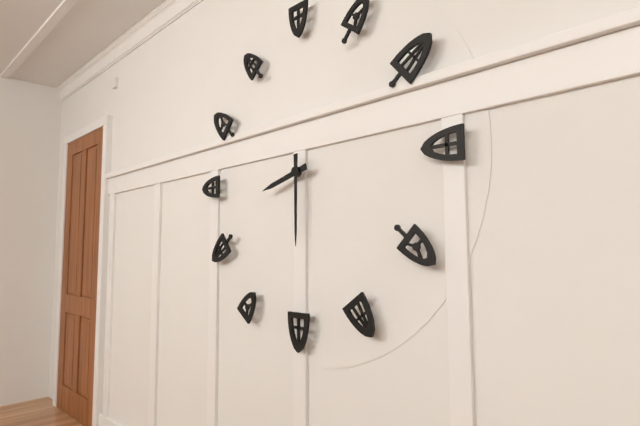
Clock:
8:30
